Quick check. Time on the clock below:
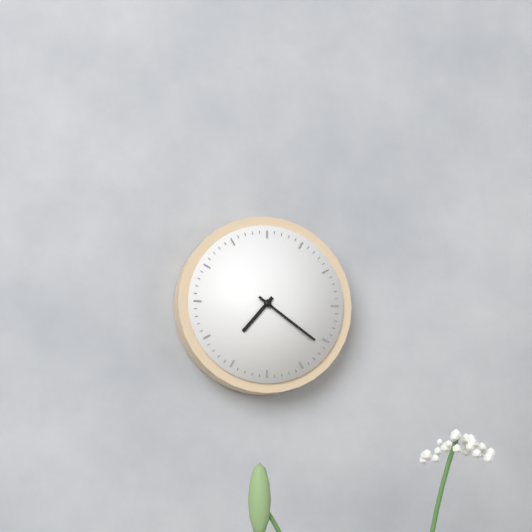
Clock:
7:21
